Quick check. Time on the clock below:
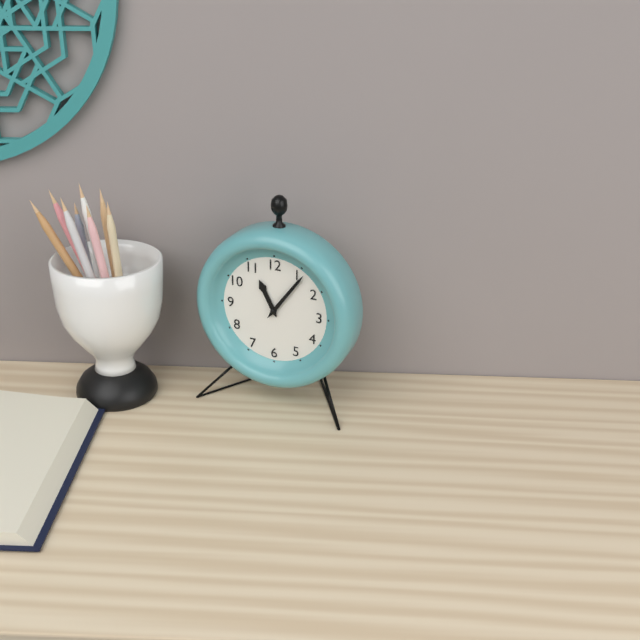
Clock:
11:06
